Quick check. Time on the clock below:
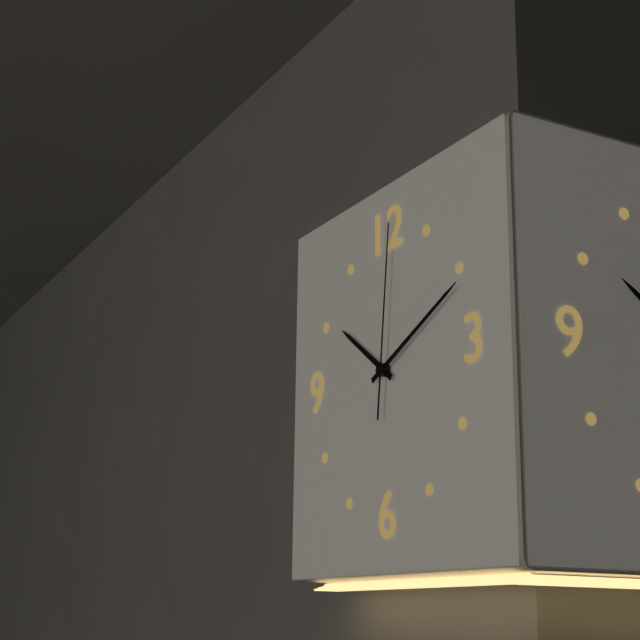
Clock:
10:11:01
